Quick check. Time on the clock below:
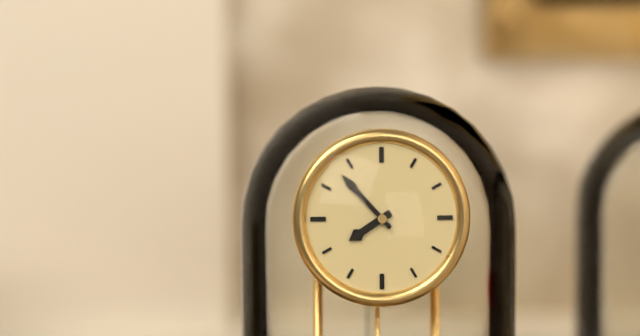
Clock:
7:53
